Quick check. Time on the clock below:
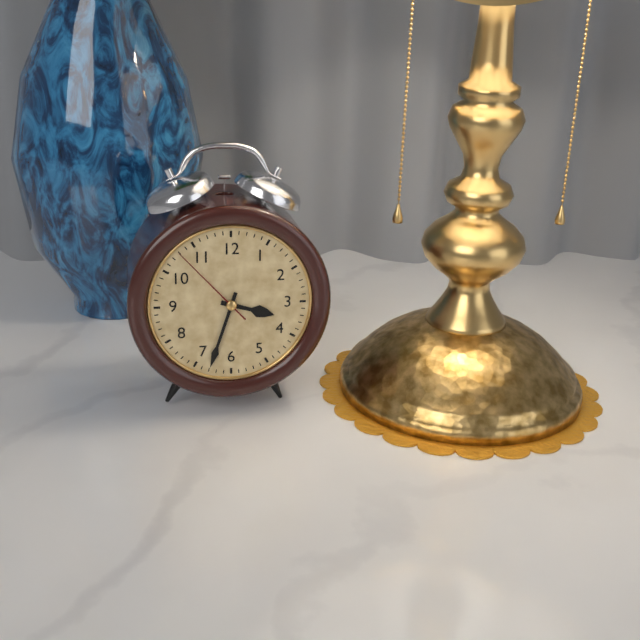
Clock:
3:33:53
